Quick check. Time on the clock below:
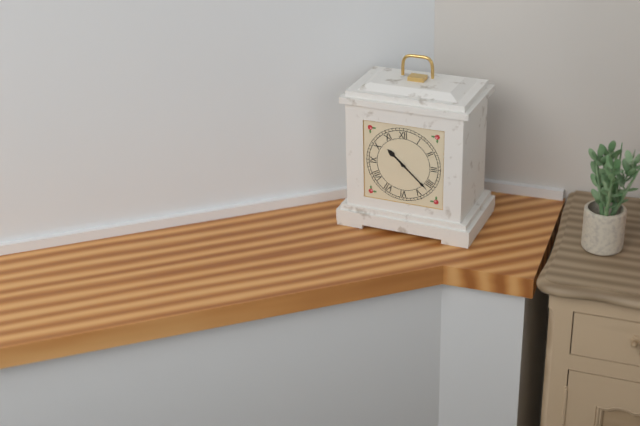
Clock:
10:22
